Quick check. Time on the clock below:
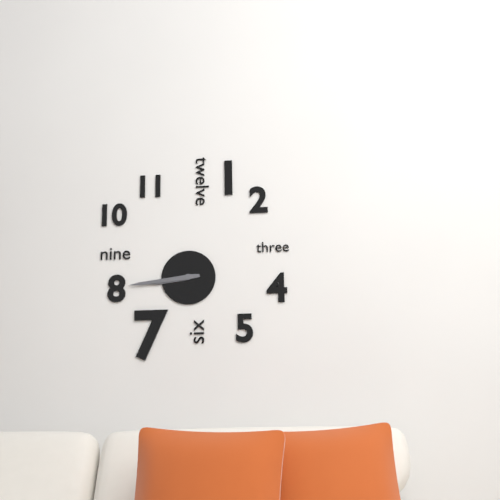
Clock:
8:44
